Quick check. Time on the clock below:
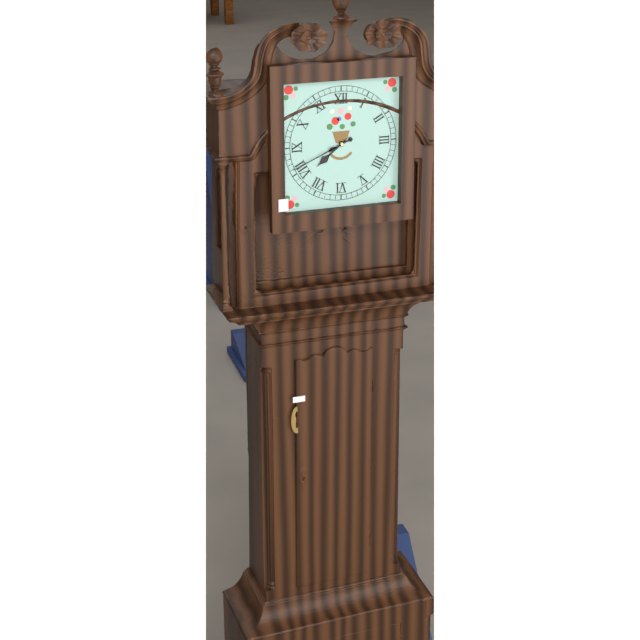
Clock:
7:41
